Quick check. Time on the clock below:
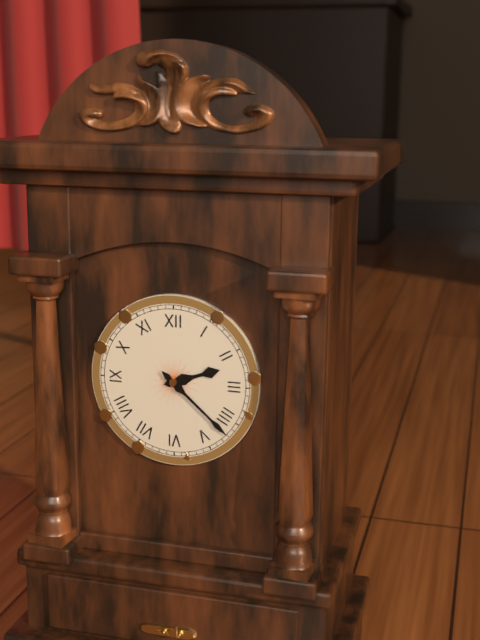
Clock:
2:22
